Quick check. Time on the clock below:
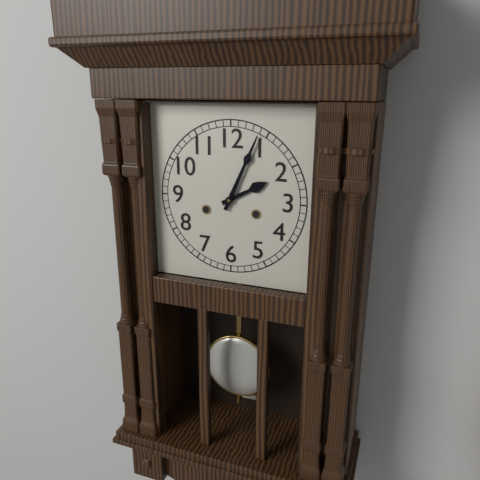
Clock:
2:04
